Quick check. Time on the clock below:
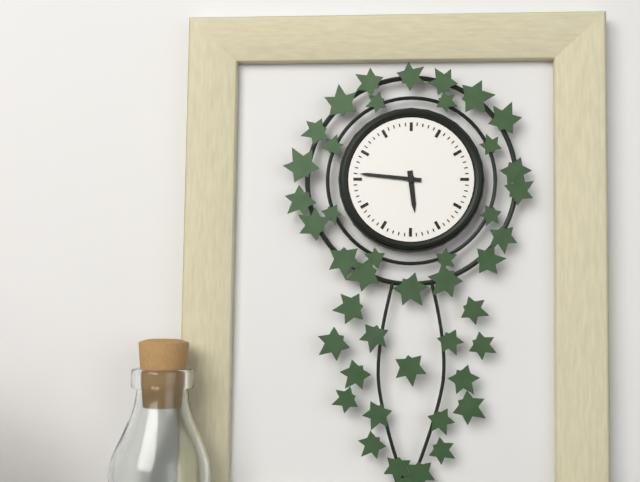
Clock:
5:46
